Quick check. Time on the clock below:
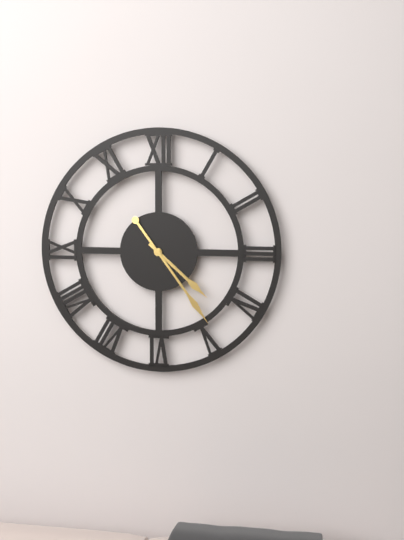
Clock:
4:24
